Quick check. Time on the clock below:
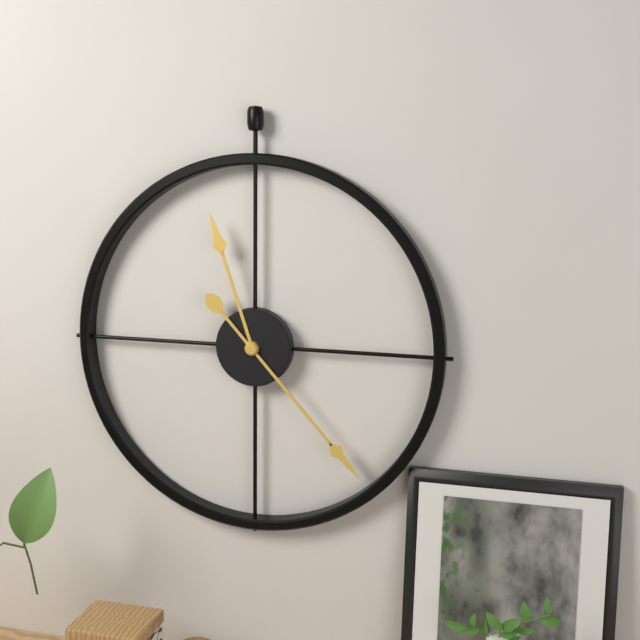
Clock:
11:23
